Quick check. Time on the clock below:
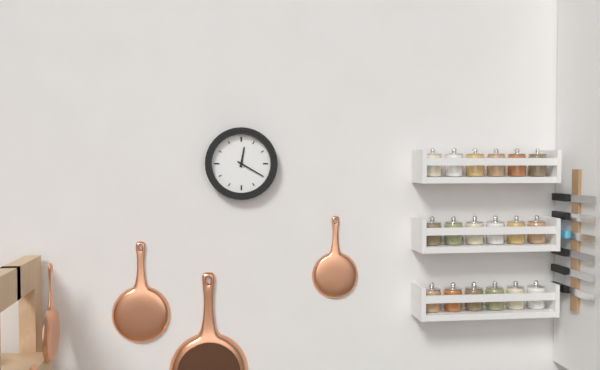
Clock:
12:20
